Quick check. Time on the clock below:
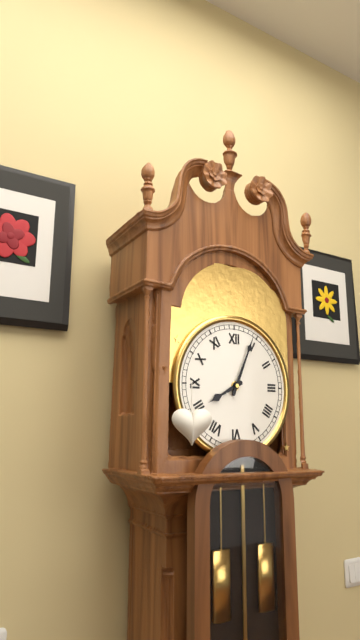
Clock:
8:04
